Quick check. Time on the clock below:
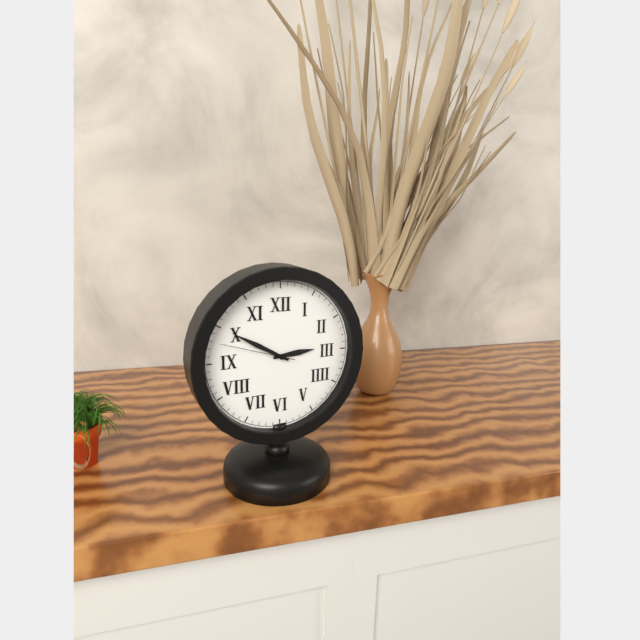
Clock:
2:50:48
